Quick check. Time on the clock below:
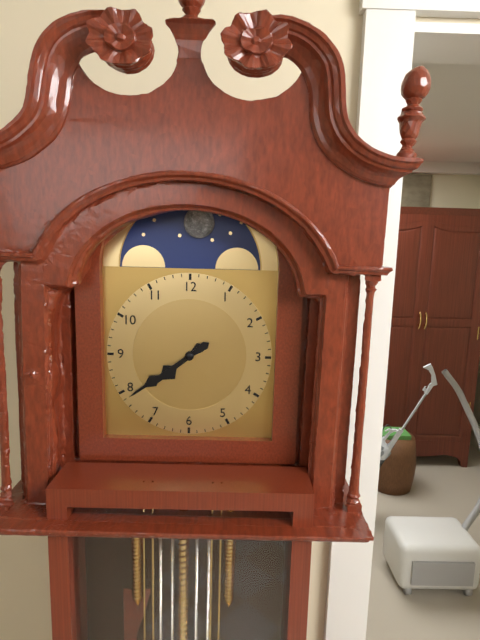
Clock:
7:39
